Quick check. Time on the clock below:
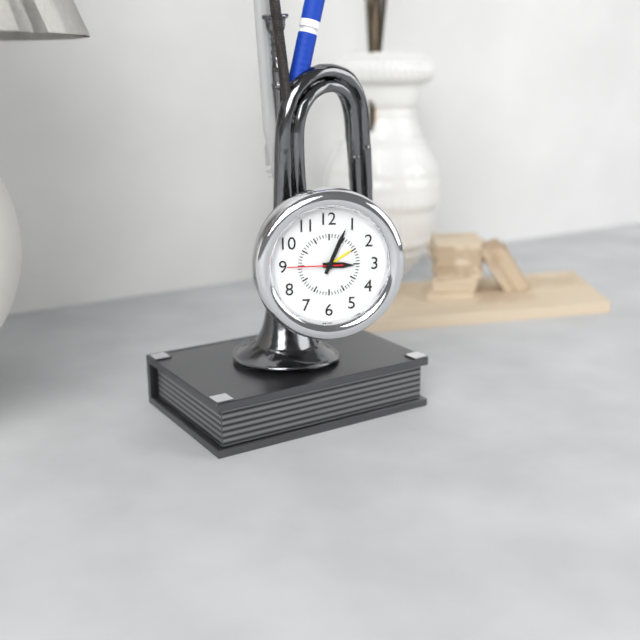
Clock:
3:04:45
